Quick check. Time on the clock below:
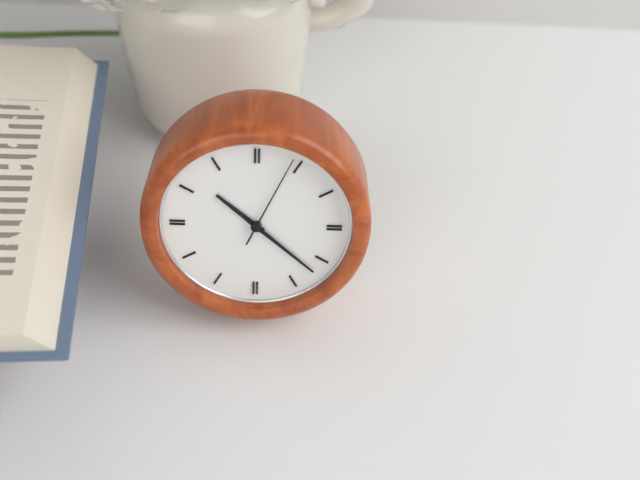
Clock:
10:22:04
